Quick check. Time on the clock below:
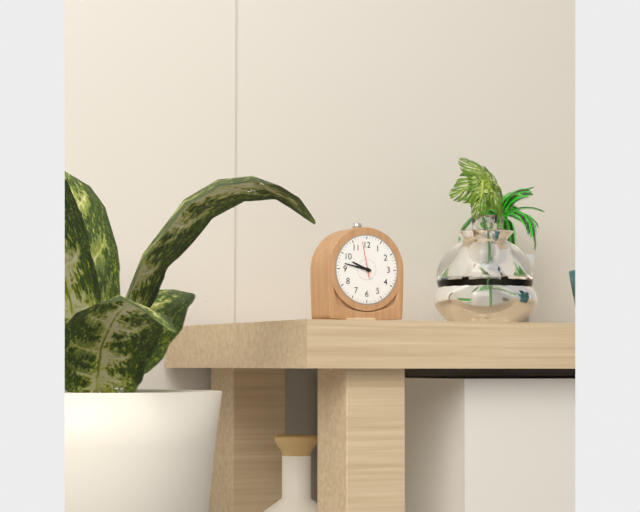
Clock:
9:47
